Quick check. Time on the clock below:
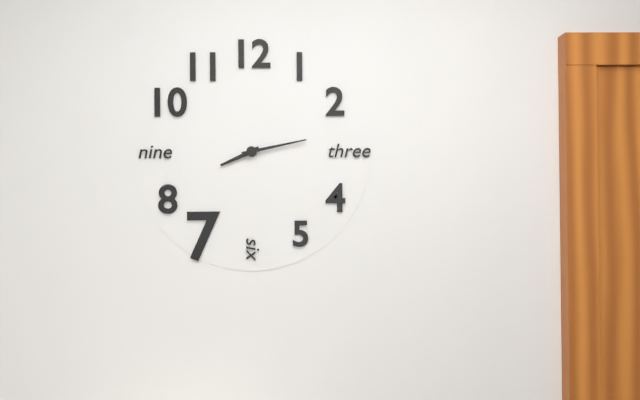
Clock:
8:13
